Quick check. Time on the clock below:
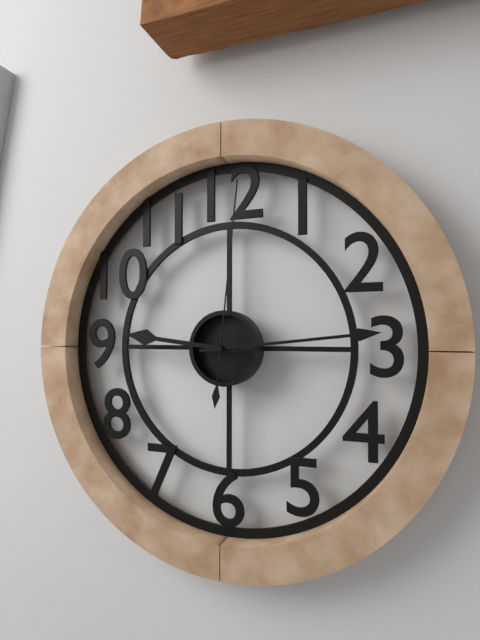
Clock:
9:14:01
